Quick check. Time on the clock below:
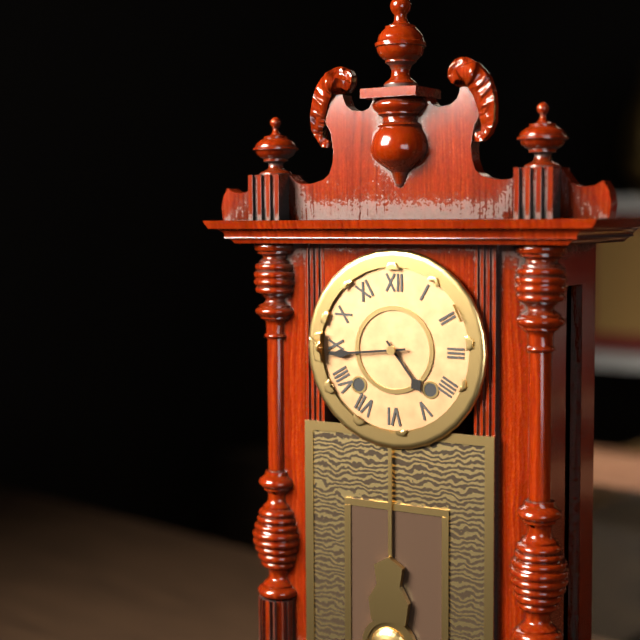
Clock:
4:44
